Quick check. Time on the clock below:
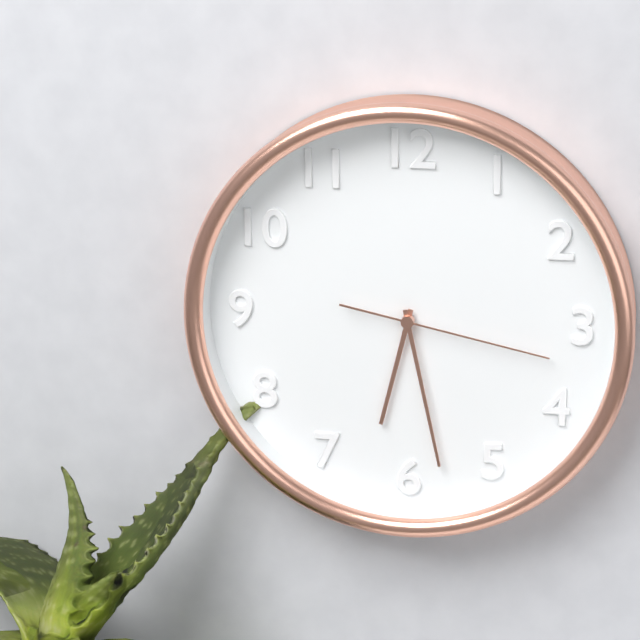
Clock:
6:28:17
